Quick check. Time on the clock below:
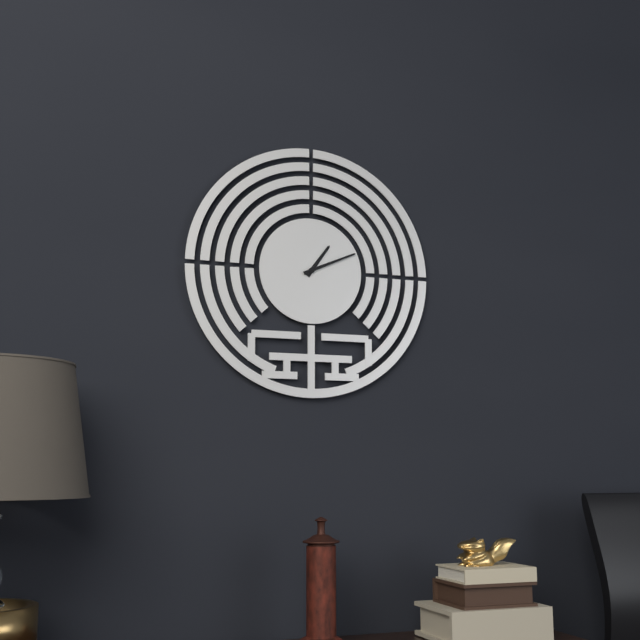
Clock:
1:11
